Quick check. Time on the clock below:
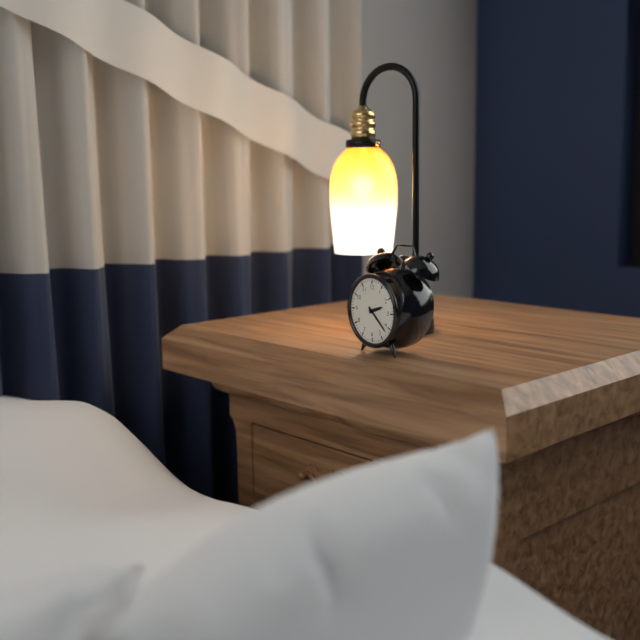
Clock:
2:22
